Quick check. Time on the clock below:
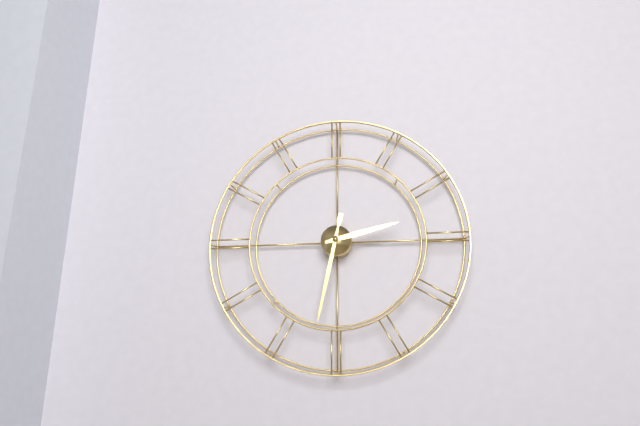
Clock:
2:32
